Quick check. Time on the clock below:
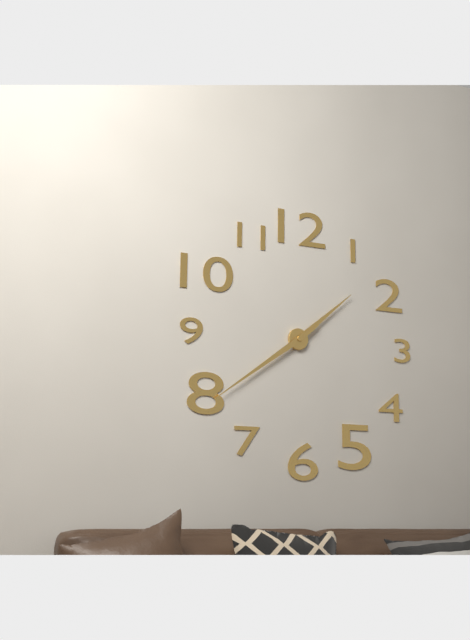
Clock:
1:39
